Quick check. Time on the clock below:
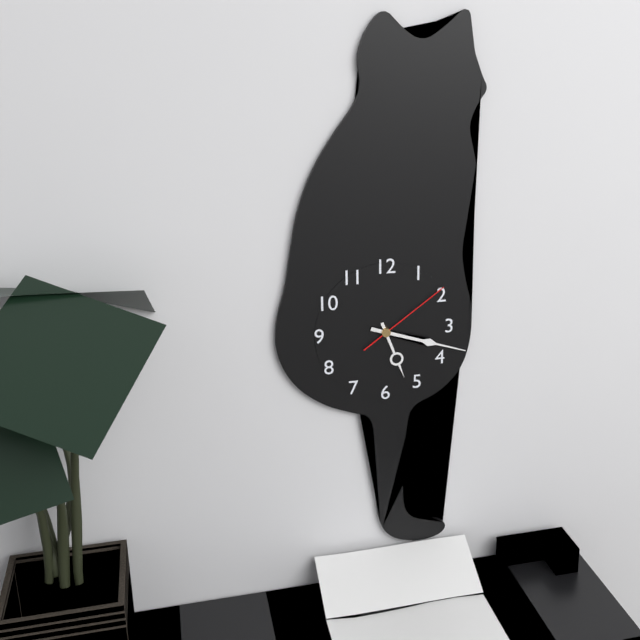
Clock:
5:18:09
